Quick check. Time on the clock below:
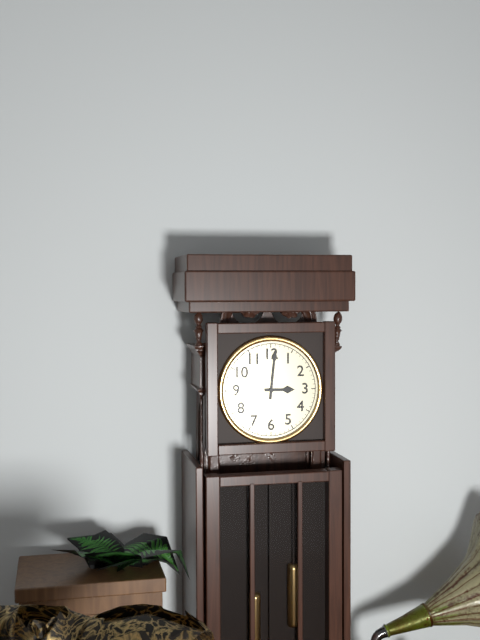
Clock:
3:01
